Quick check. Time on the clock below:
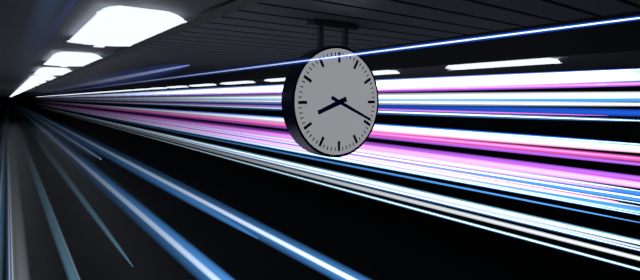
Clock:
8:19
